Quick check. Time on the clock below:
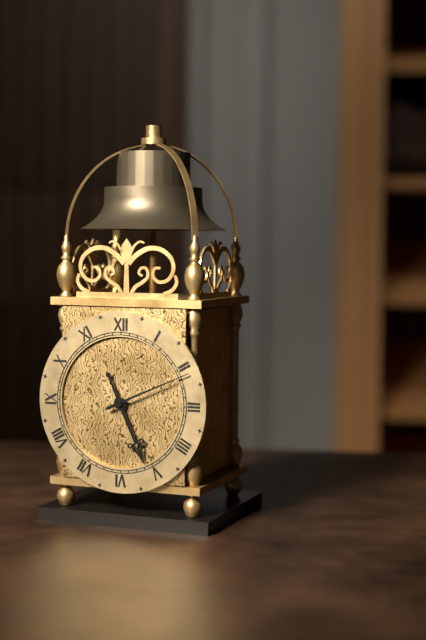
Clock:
5:11
